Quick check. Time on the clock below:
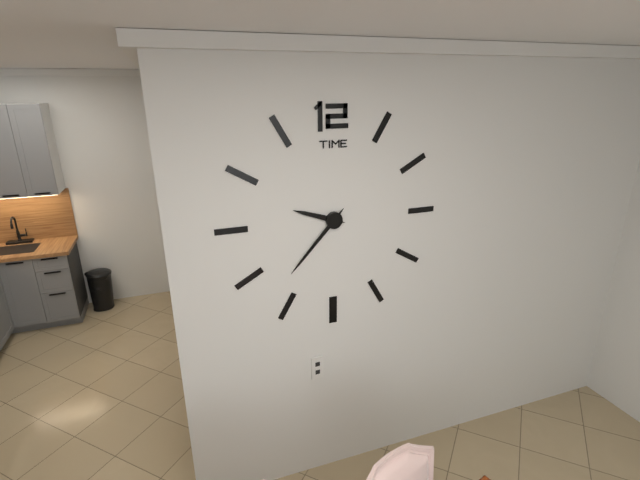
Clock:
9:37
